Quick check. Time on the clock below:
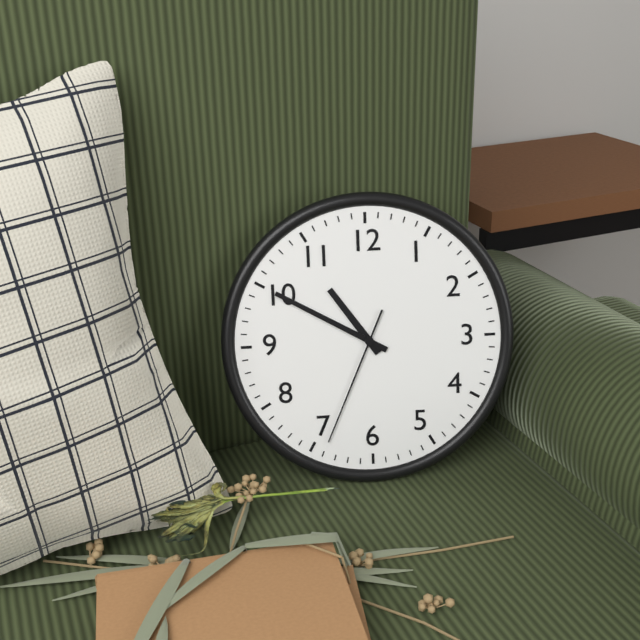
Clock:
10:50:34
